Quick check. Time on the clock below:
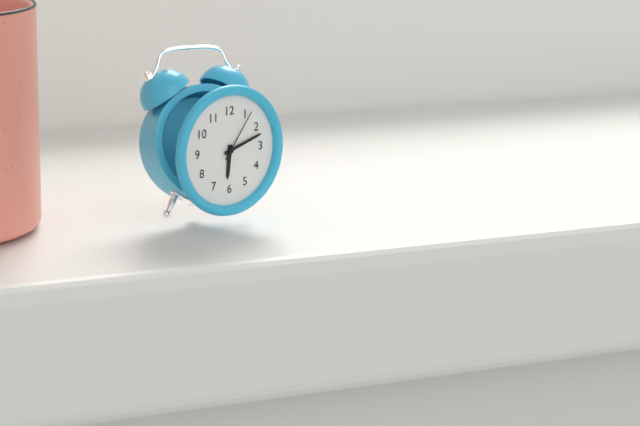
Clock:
6:12:06
